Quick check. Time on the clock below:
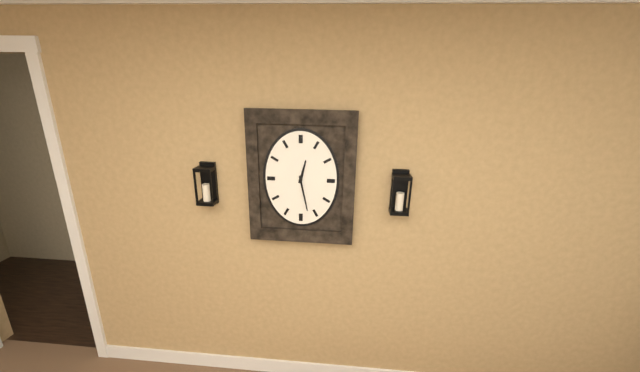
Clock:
12:28
